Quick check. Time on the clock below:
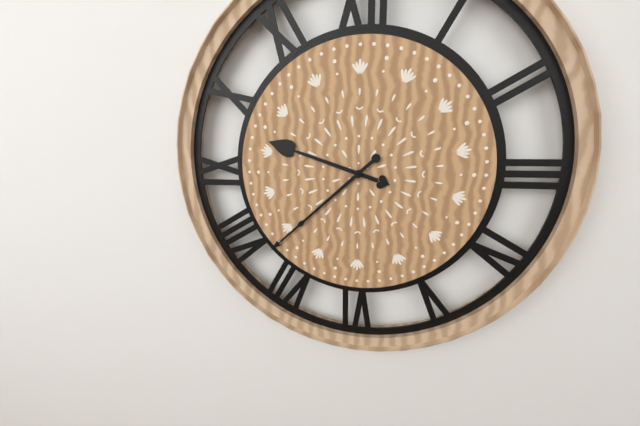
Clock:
9:38
